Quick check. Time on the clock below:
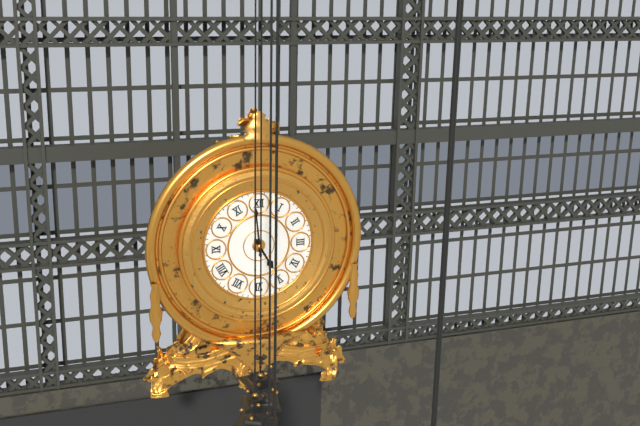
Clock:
4:59
